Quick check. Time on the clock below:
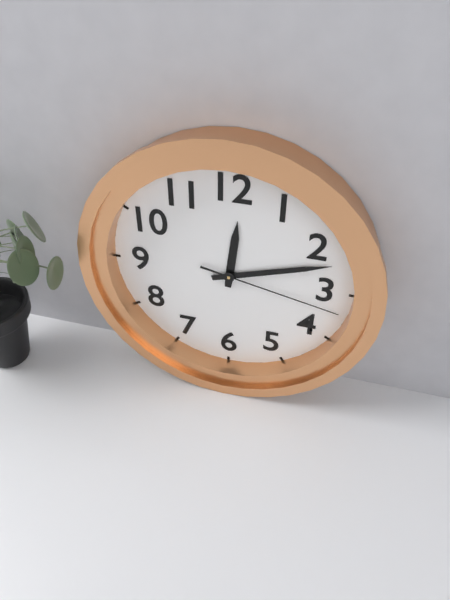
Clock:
12:12:17
